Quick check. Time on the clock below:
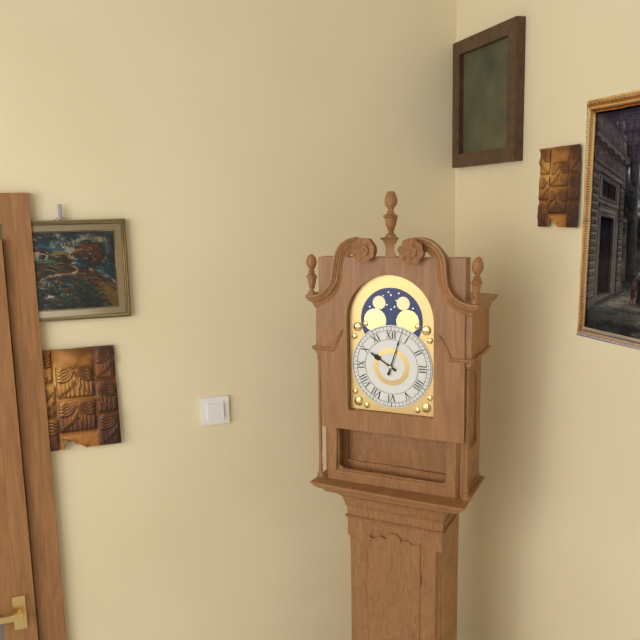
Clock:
10:03
